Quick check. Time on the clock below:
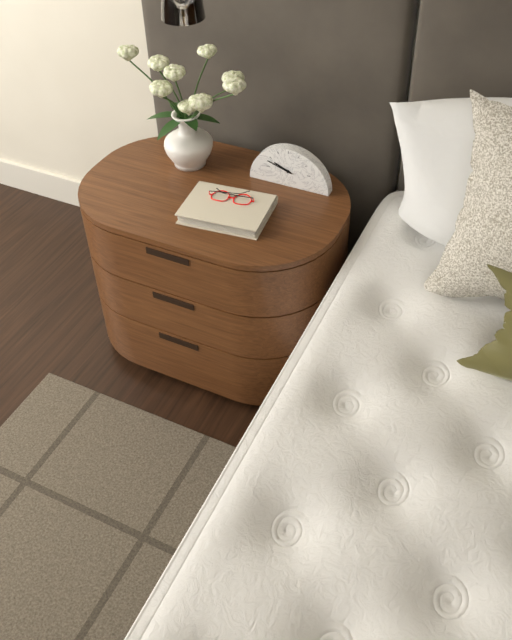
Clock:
9:48
